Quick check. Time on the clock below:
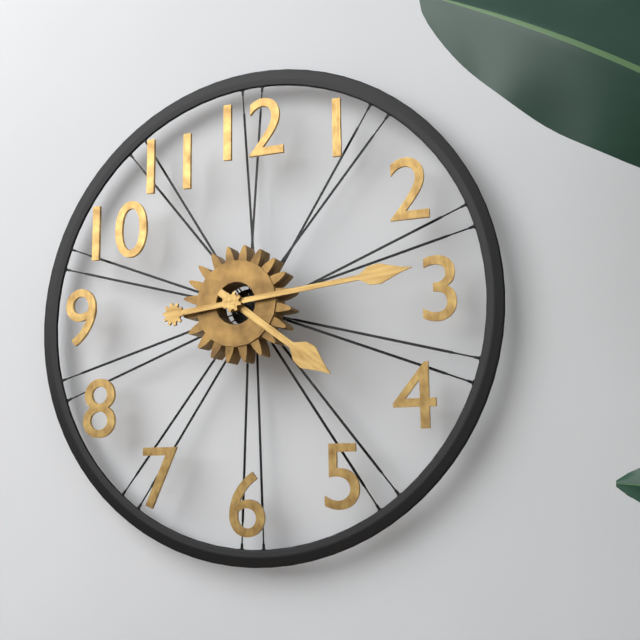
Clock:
4:14
